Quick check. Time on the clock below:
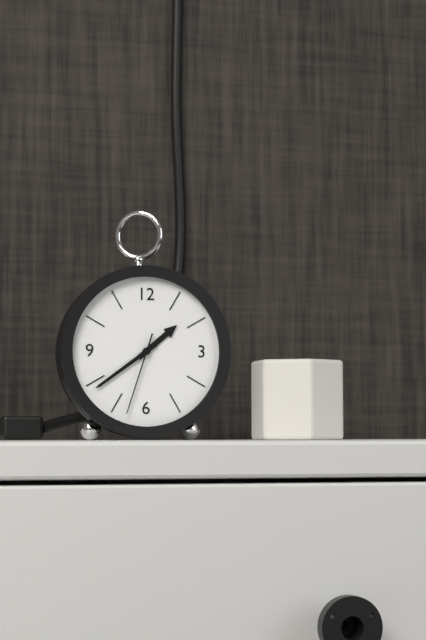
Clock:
1:39:33
